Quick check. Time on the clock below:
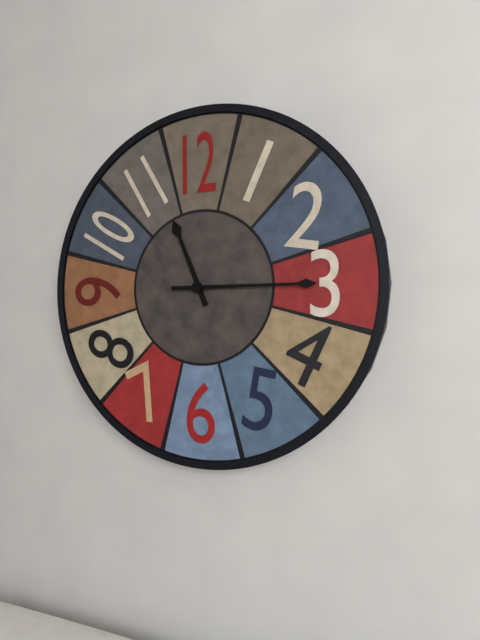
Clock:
11:15
